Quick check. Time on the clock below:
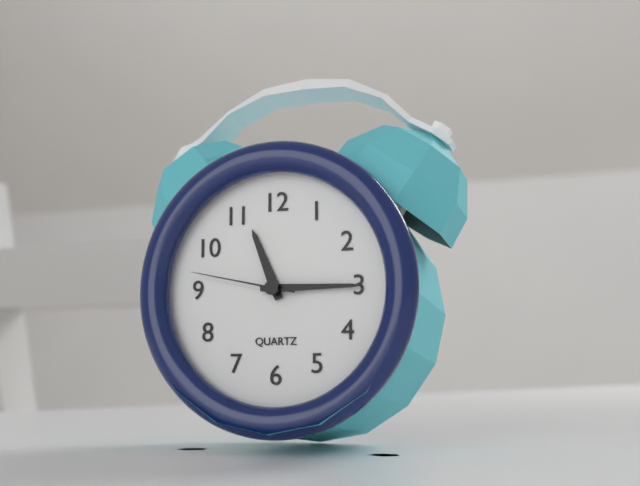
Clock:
11:15:47
